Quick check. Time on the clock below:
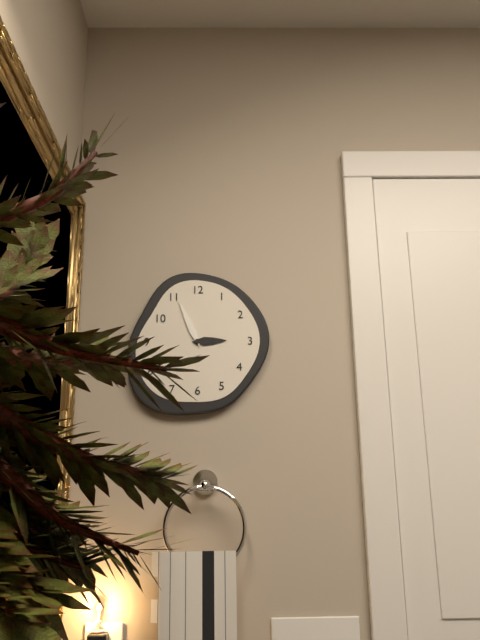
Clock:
2:56
